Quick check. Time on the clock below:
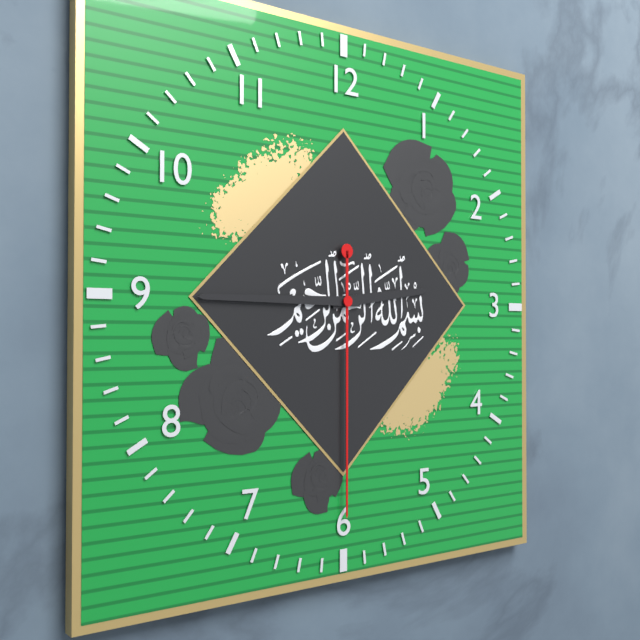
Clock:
2:45:30
